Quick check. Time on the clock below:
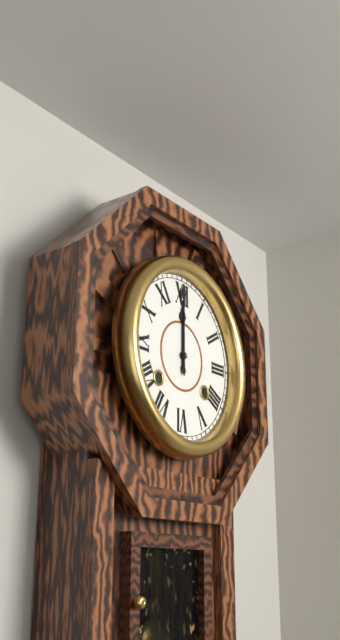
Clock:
12:00
